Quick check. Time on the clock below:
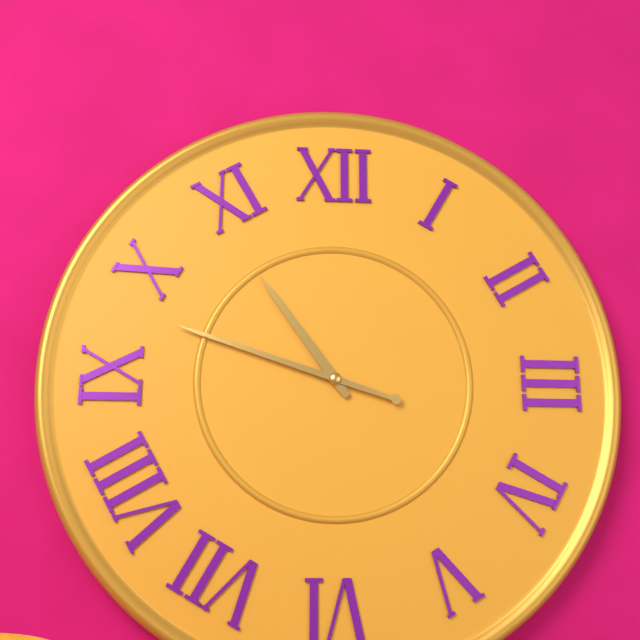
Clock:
10:48
